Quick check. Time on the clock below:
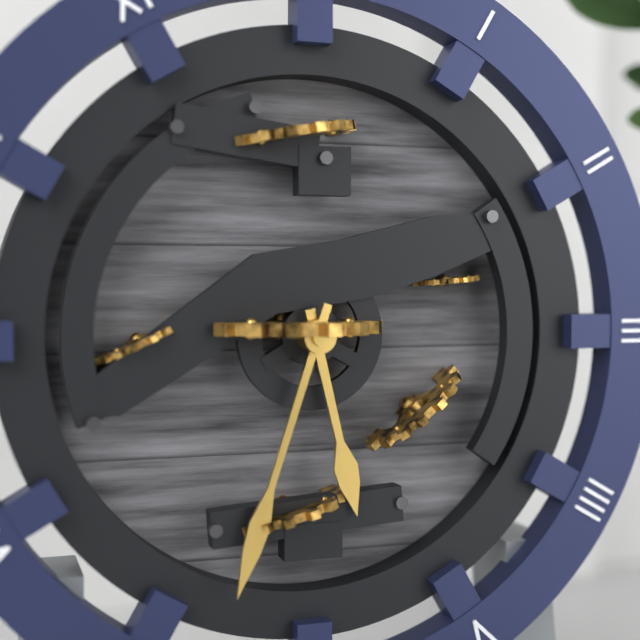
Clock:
5:33
